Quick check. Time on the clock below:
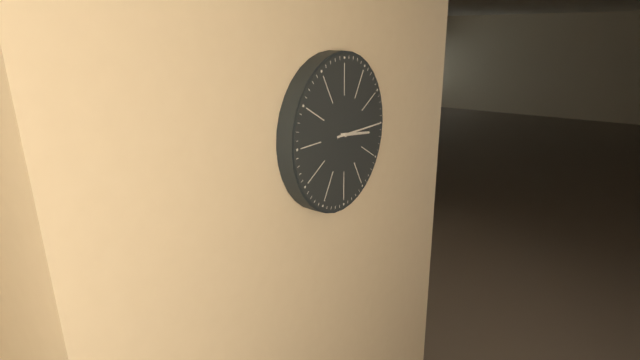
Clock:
3:15
